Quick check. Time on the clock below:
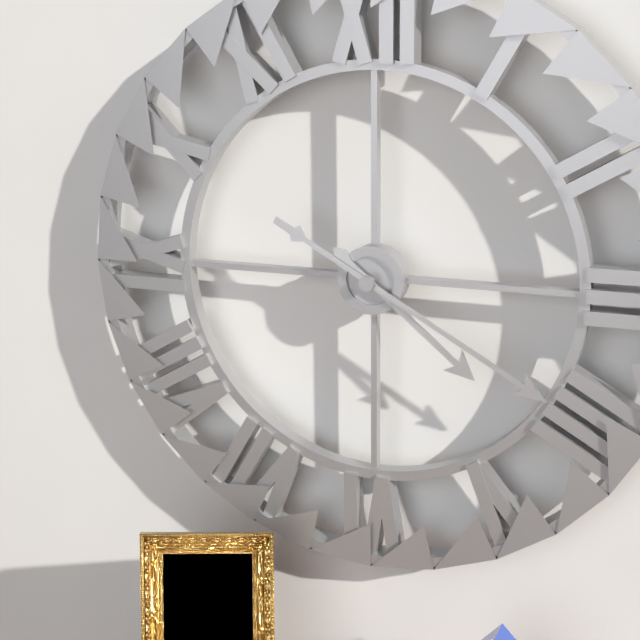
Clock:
4:20
